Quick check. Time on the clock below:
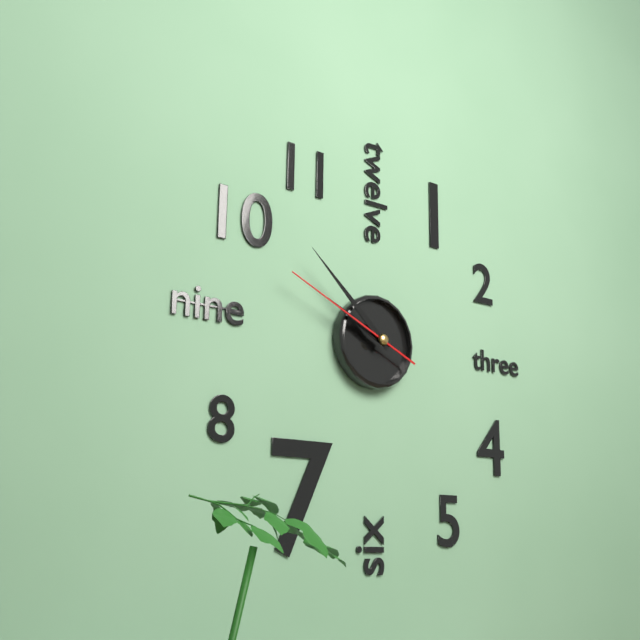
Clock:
9:52:49
